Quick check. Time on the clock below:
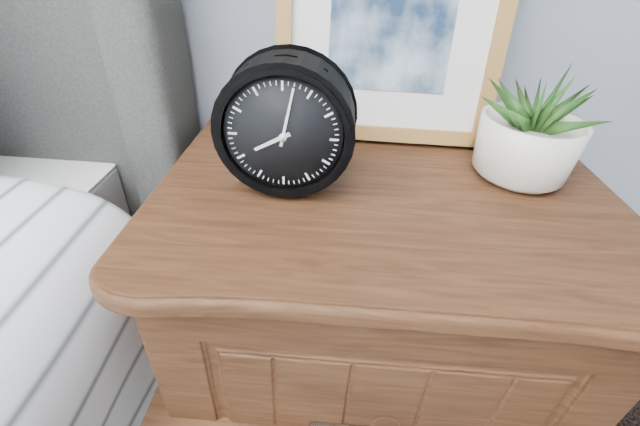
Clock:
8:02
